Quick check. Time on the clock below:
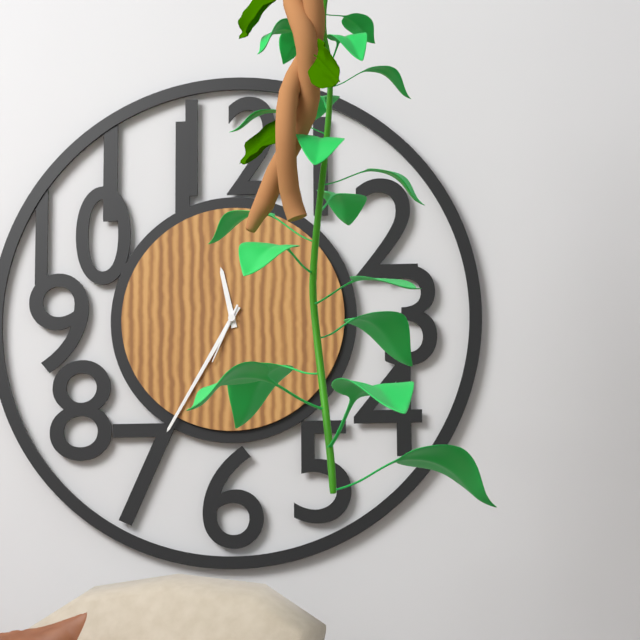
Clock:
11:35:34
